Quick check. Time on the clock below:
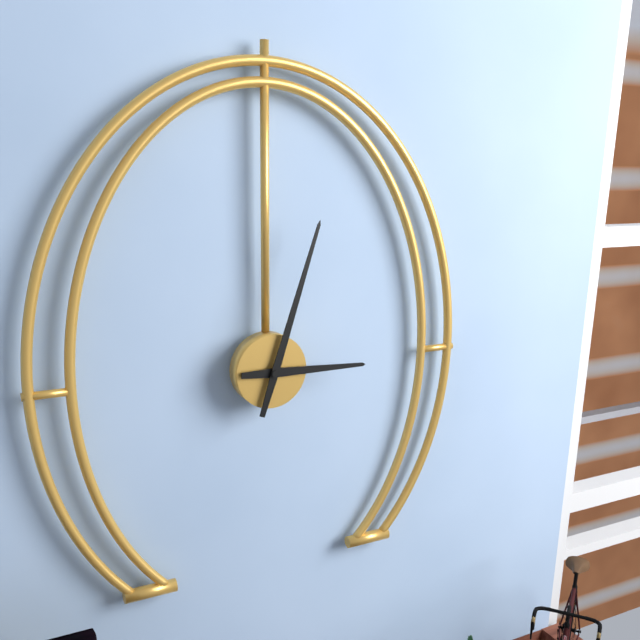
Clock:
3:03
